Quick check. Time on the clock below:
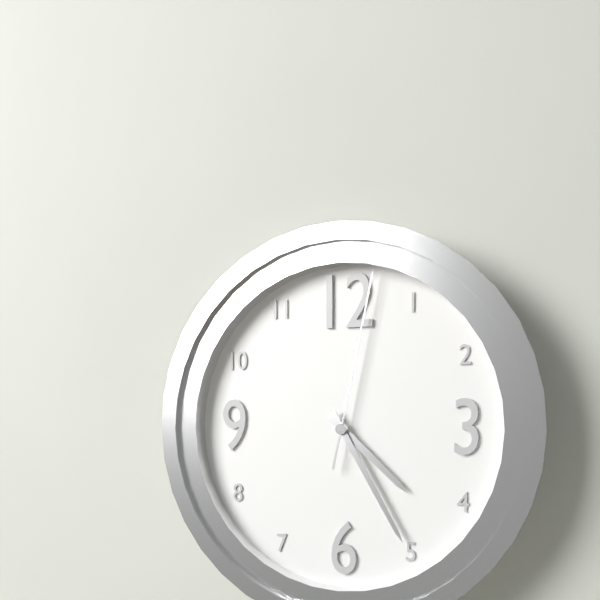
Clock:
4:25:02
